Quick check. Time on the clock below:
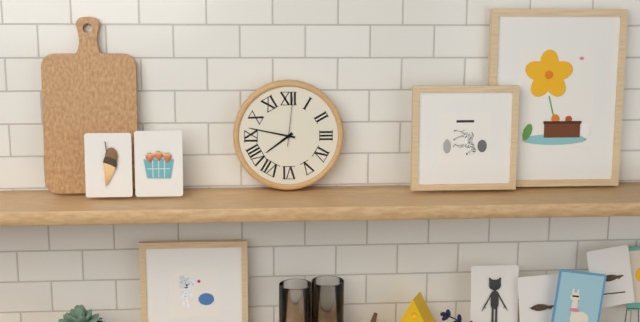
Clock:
7:47:01
